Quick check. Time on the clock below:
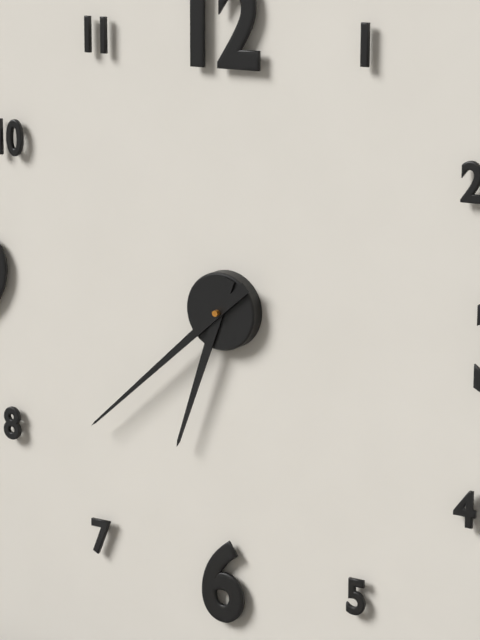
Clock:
6:38
